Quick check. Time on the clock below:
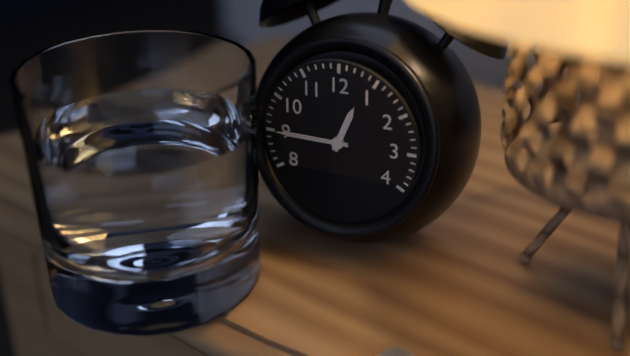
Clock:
12:45
